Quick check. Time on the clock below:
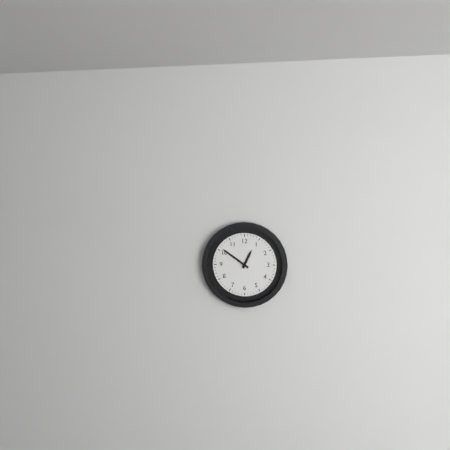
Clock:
12:51
